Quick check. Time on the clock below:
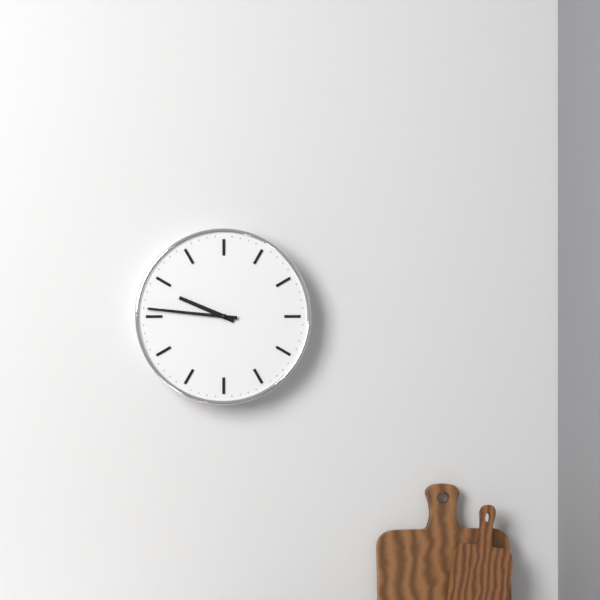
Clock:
9:46
